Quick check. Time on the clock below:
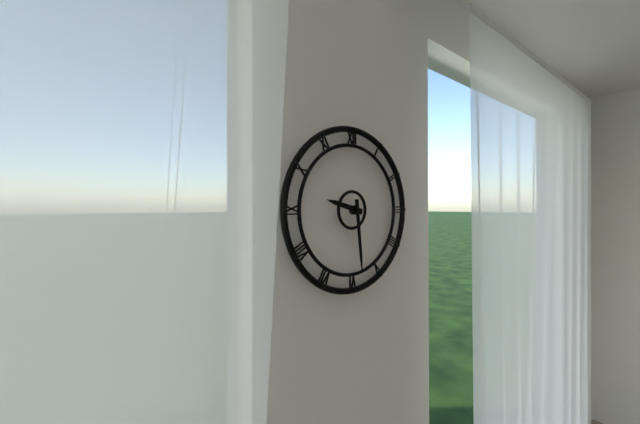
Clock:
9:29
